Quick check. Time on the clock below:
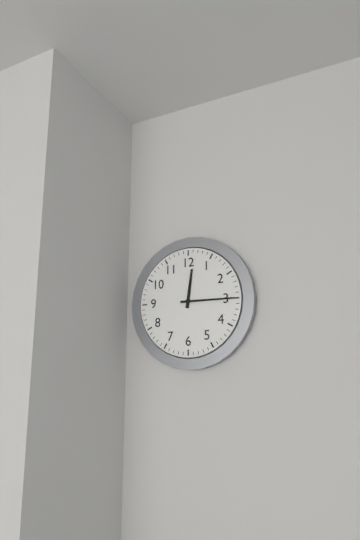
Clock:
12:15
